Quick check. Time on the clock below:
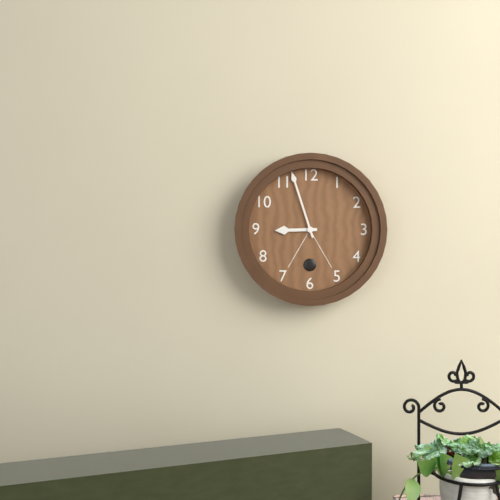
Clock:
8:57
